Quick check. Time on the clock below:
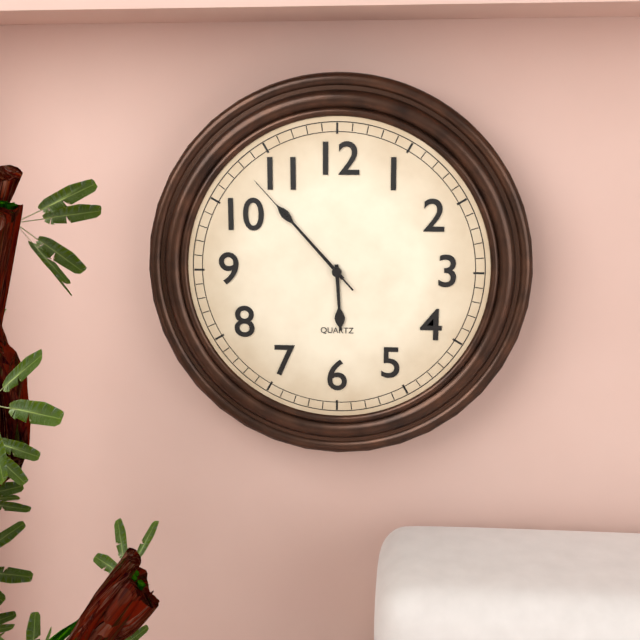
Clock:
5:53:53
